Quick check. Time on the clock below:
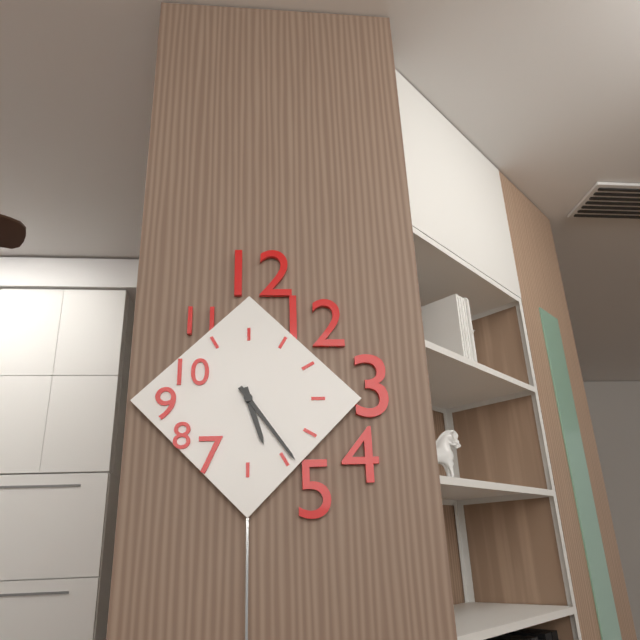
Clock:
5:24
